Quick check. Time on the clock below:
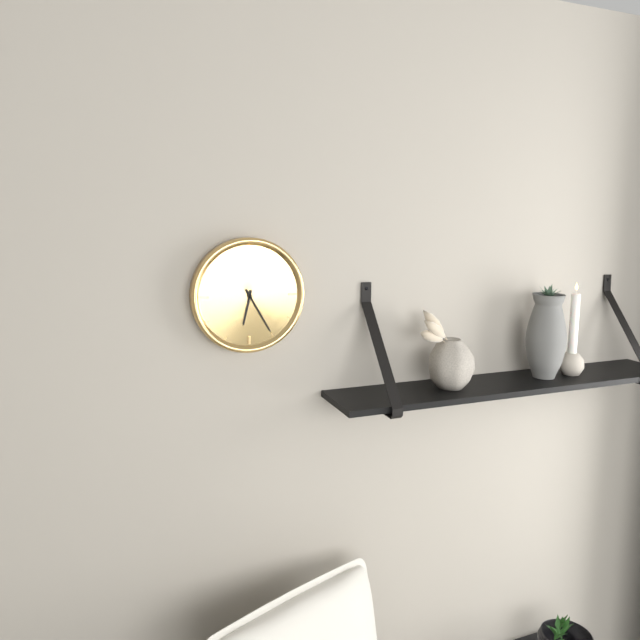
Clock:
6:25
